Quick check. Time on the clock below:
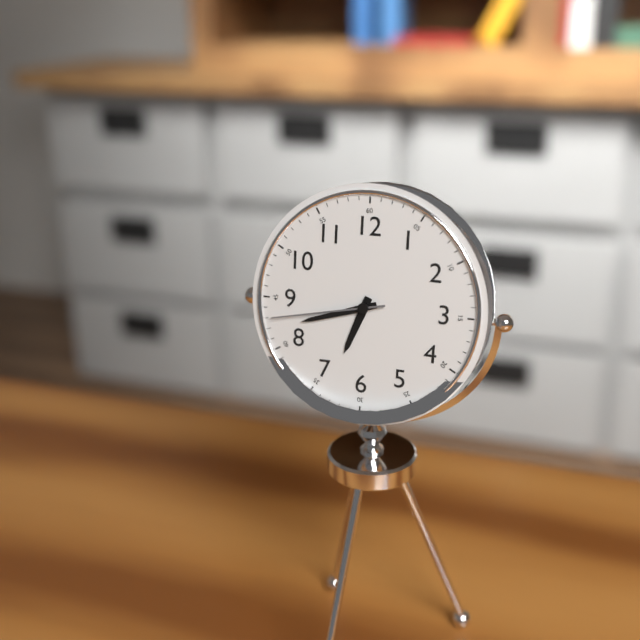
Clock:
6:42:43
